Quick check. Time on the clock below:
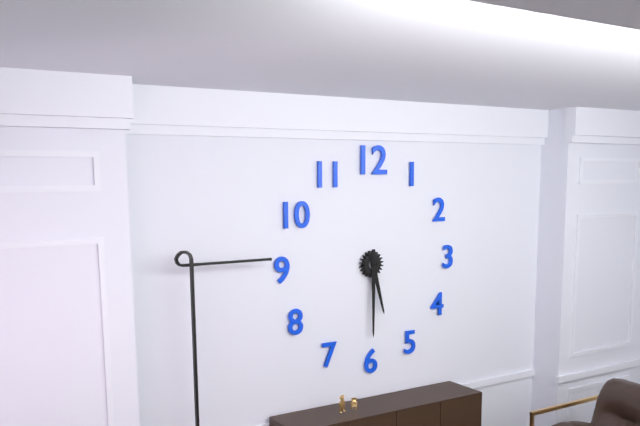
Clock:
5:30
